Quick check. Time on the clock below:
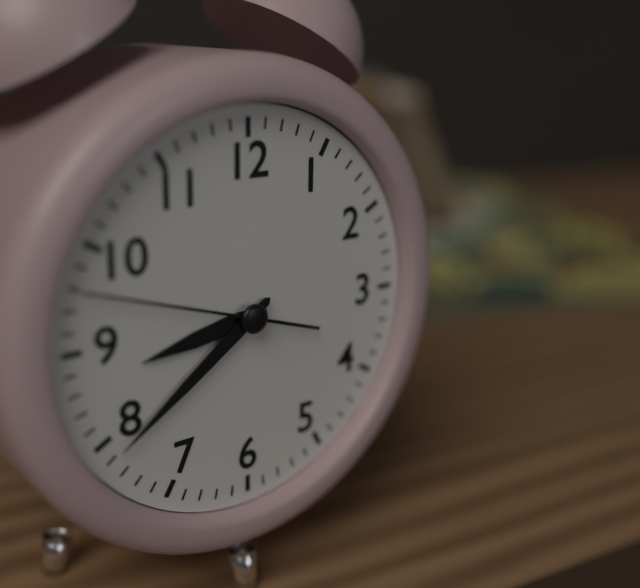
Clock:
8:39:48
